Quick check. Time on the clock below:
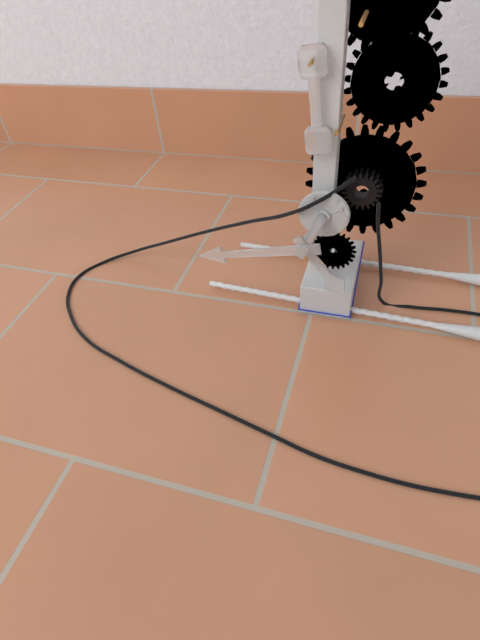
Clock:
4:43
